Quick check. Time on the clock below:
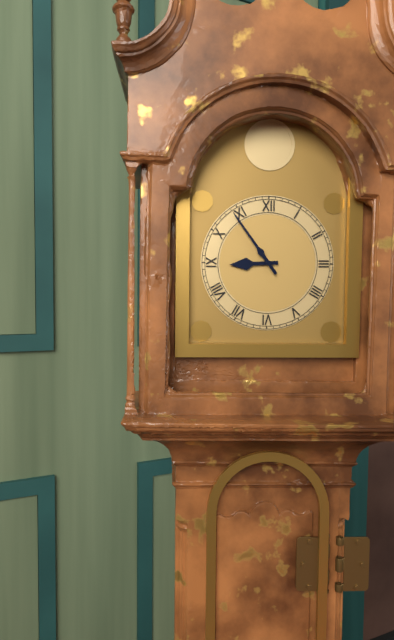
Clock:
8:54
